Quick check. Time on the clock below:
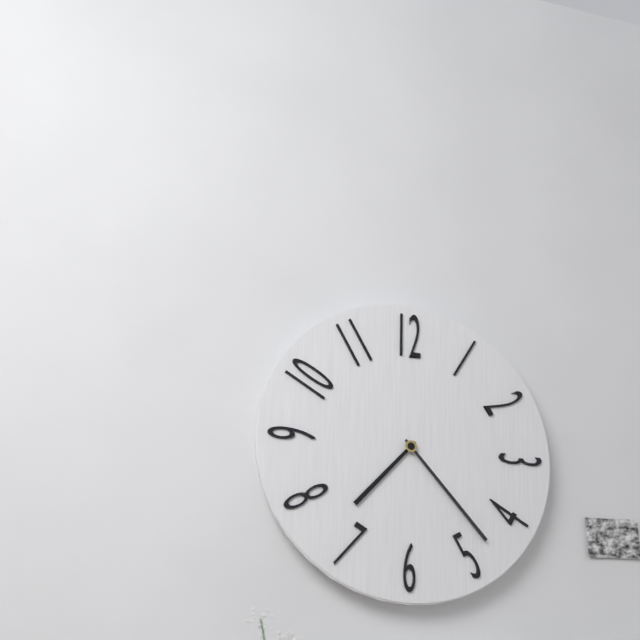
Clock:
7:23
